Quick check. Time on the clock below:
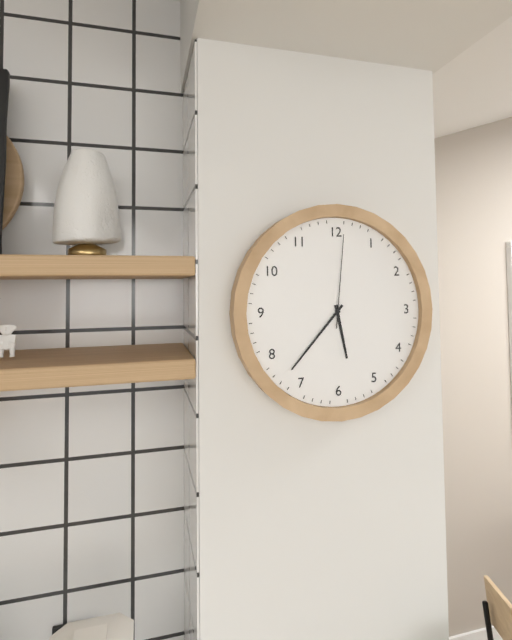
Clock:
5:37:01
